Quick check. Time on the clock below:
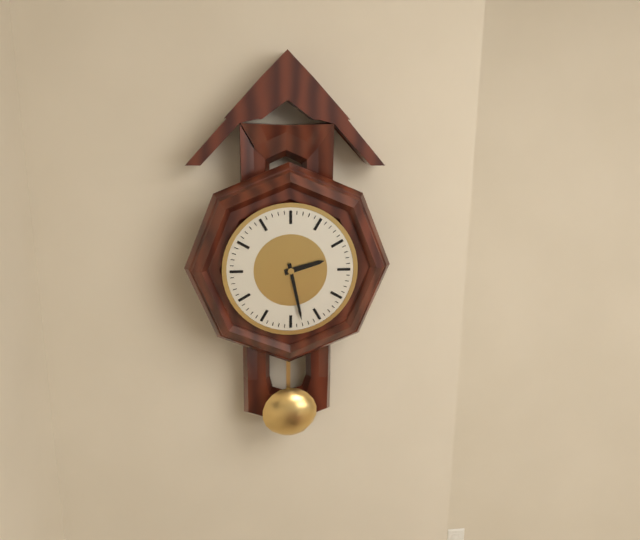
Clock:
2:28
